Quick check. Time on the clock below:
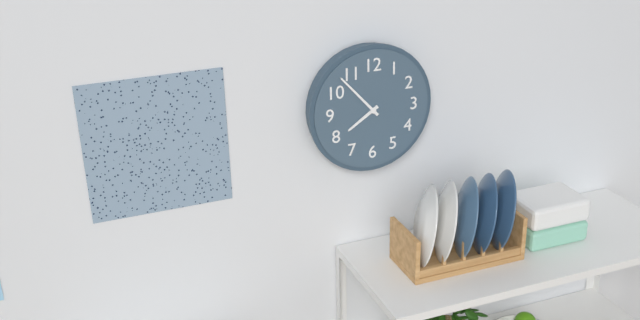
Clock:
7:53
